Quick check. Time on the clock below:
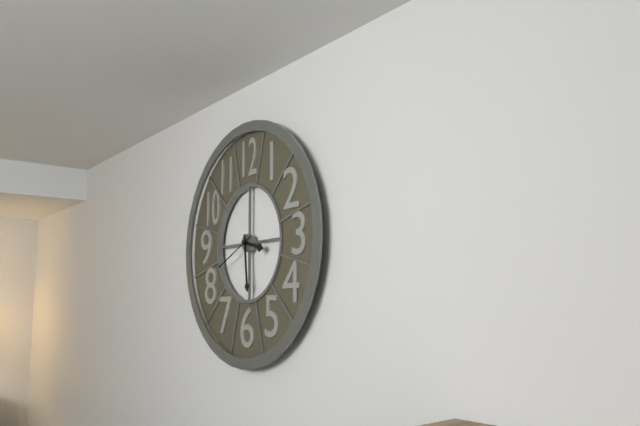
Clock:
3:29:41
